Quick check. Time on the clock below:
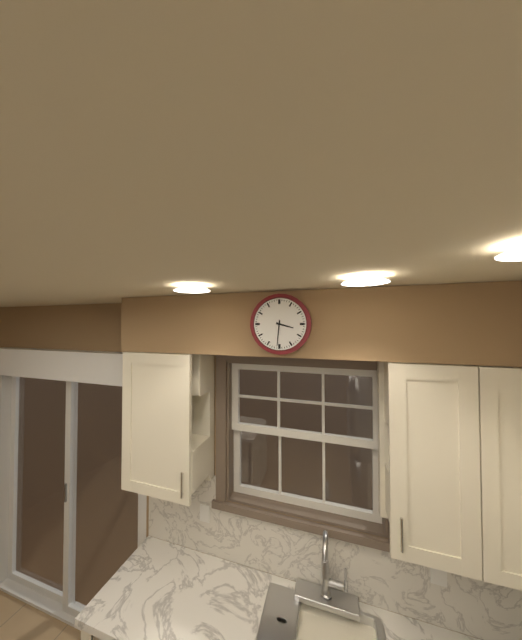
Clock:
3:31
